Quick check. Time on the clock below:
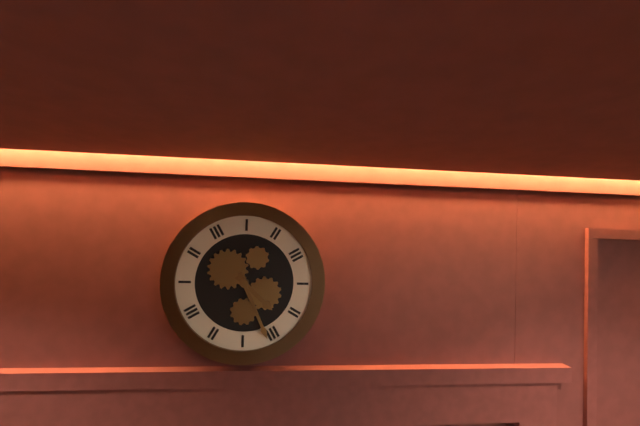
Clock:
4:26
